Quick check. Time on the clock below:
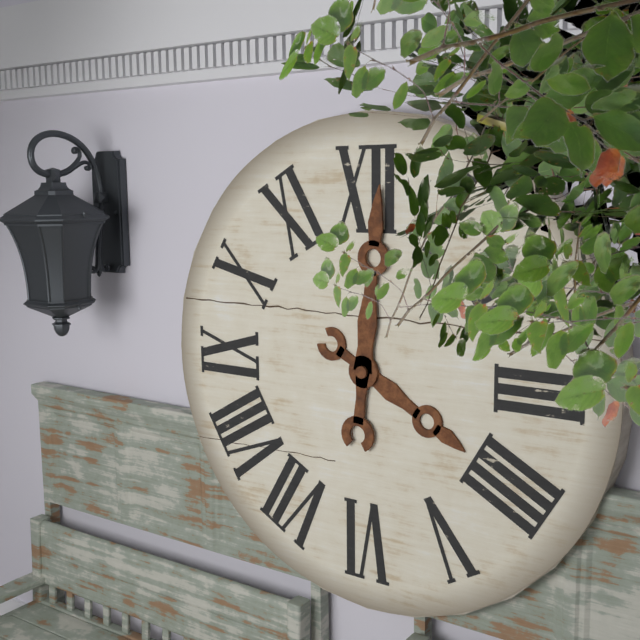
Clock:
4:01
